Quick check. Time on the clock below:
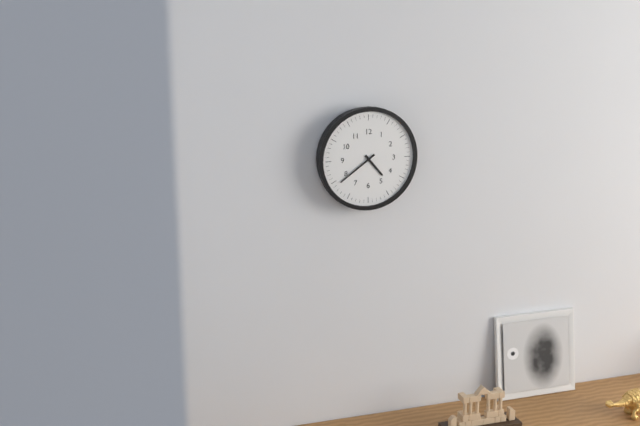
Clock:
4:39
